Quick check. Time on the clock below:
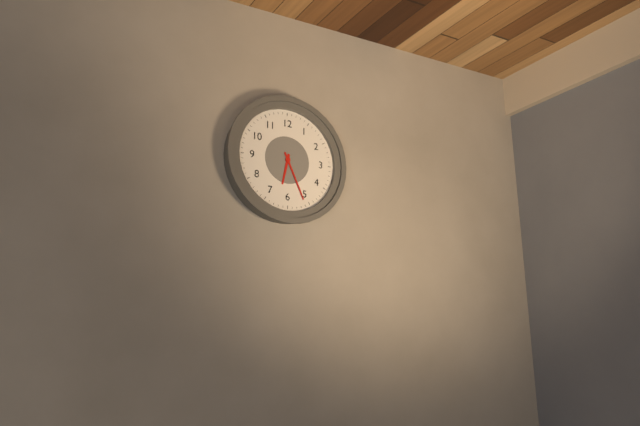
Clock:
6:26
